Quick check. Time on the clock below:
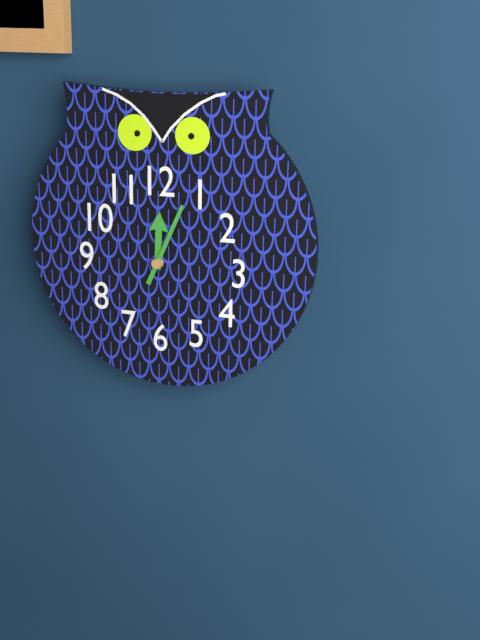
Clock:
12:04
